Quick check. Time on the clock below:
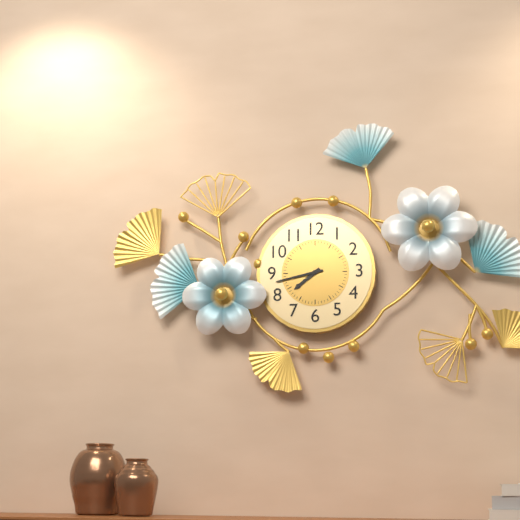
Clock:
7:43
